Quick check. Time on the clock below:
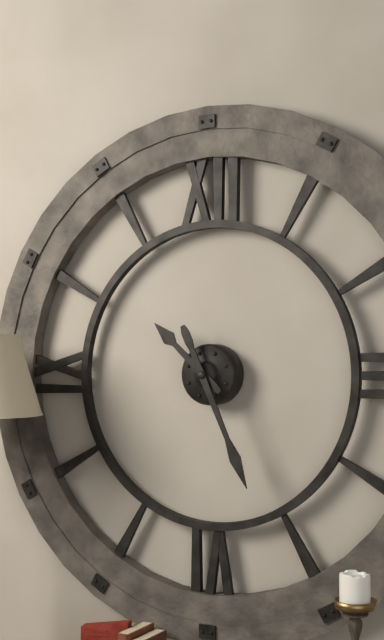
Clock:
10:26
